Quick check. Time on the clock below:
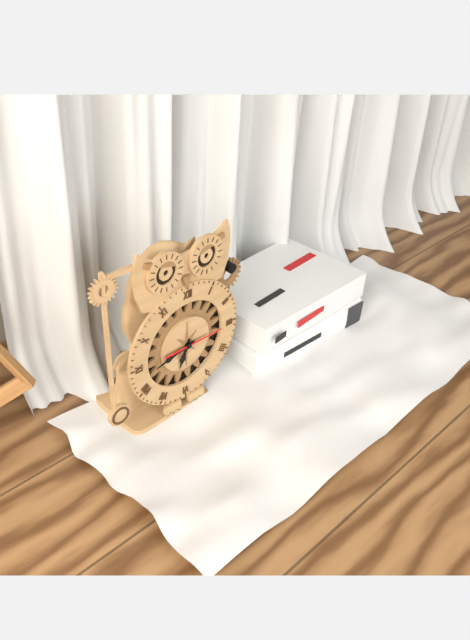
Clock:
6:43:15
